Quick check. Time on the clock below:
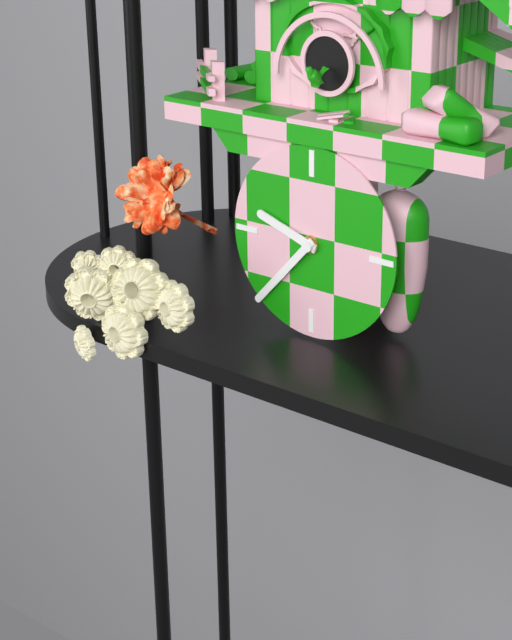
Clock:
9:37
